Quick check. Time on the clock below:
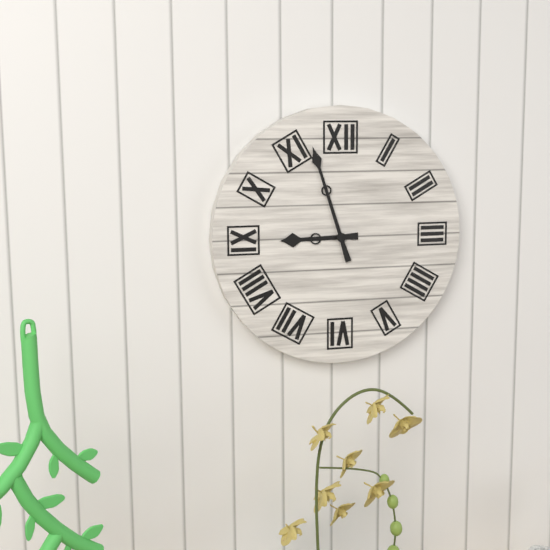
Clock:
8:57
